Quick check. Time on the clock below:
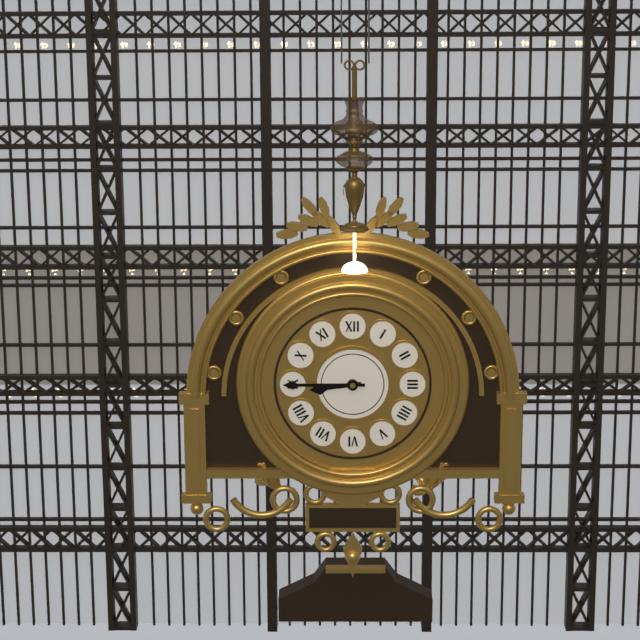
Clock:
8:45
